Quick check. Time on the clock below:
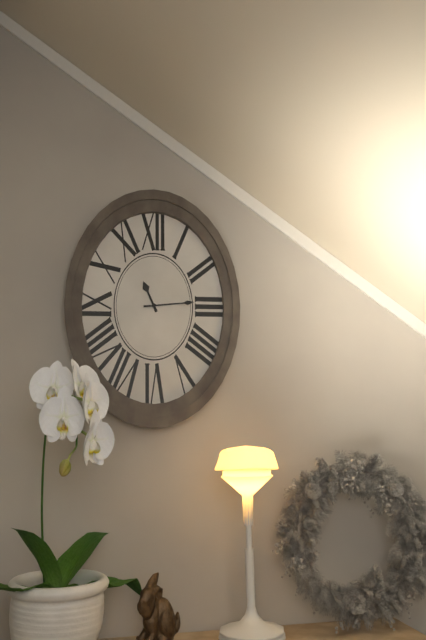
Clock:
11:14
